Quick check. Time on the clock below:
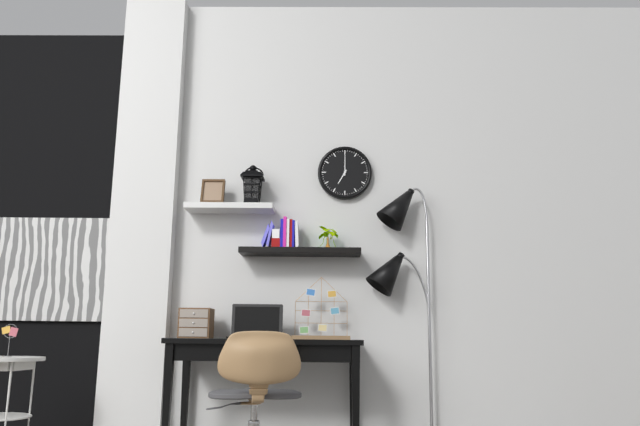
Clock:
7:00
